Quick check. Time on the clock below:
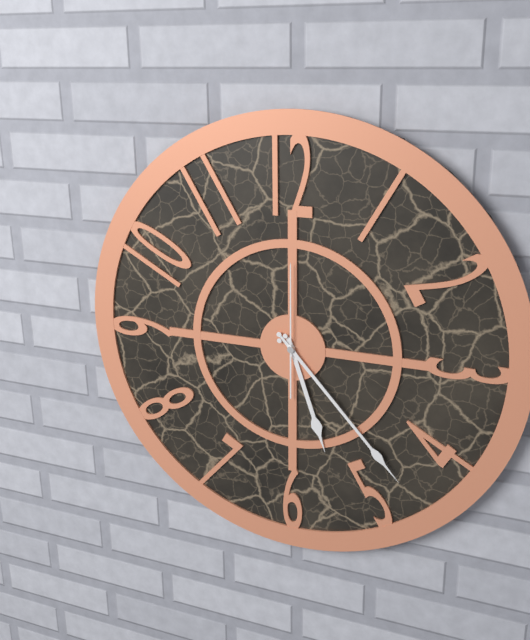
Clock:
5:23:00
